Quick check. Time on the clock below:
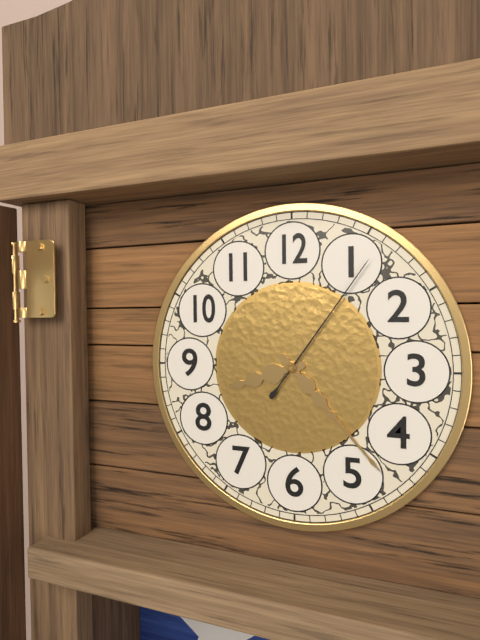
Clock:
8:23:06
